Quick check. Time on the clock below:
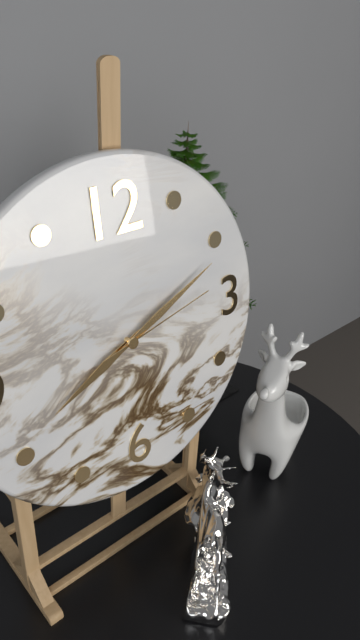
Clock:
8:11:13
